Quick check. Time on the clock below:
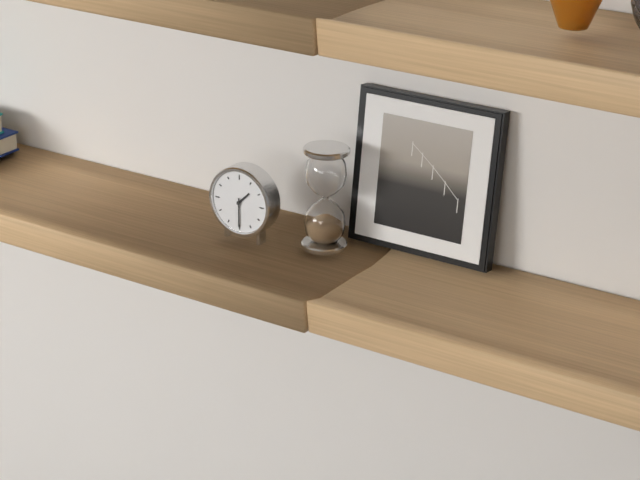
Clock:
1:30
